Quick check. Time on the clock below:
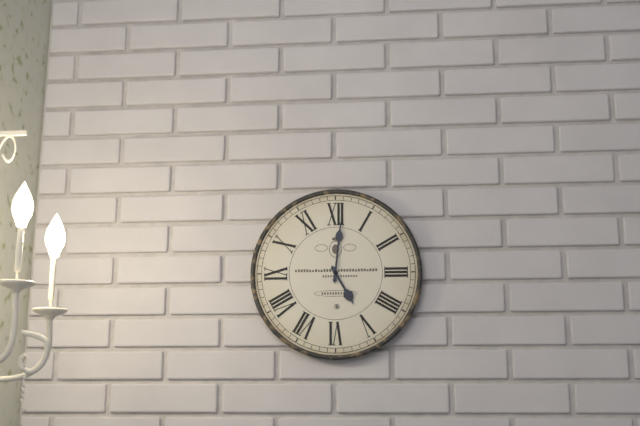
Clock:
5:01
